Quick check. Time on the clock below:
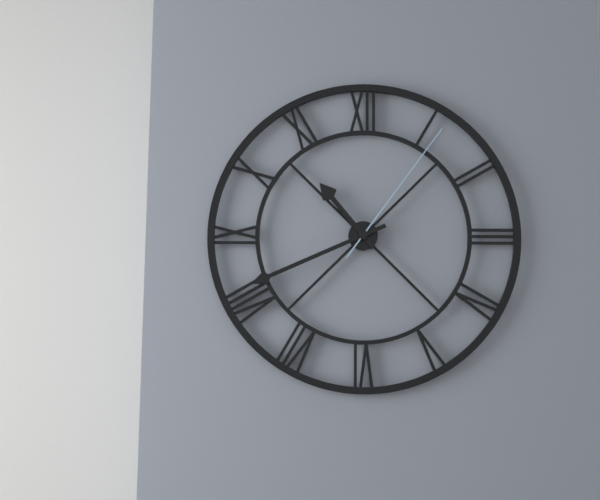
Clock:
10:41:06
